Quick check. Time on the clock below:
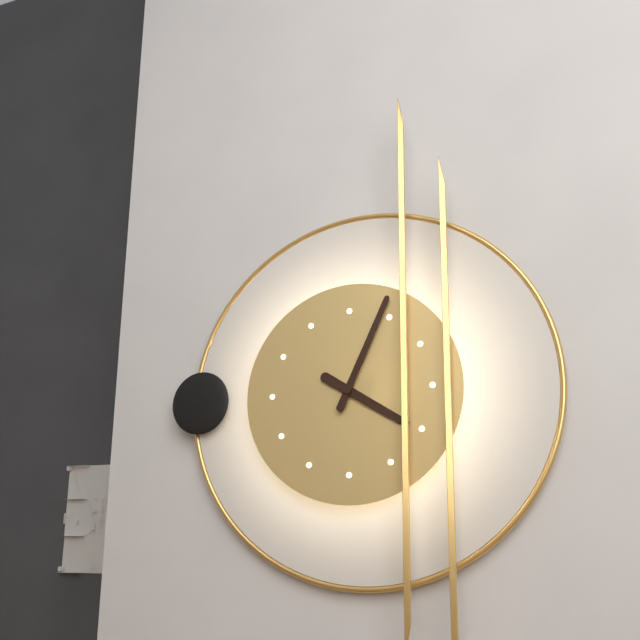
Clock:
4:04
